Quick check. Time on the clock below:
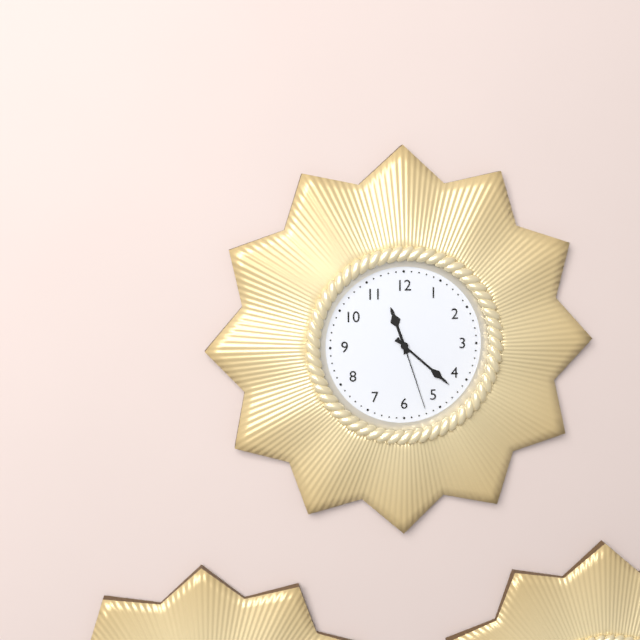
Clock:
11:22:27
